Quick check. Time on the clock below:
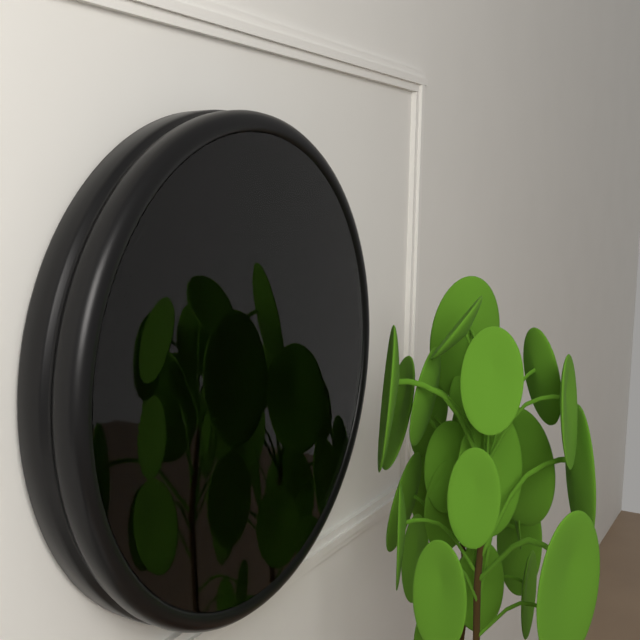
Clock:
10:36
